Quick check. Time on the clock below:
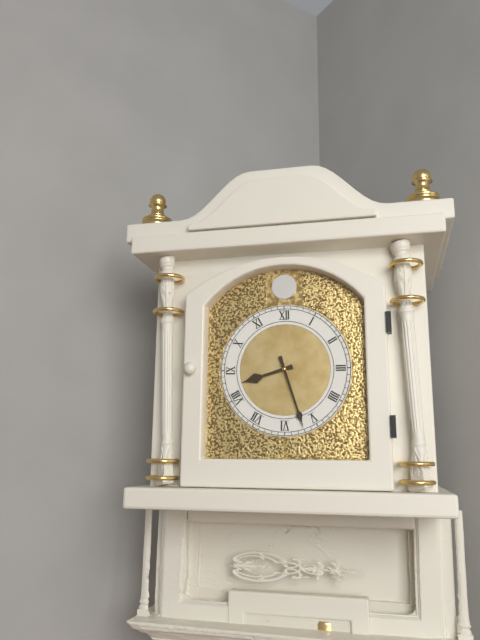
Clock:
8:27
